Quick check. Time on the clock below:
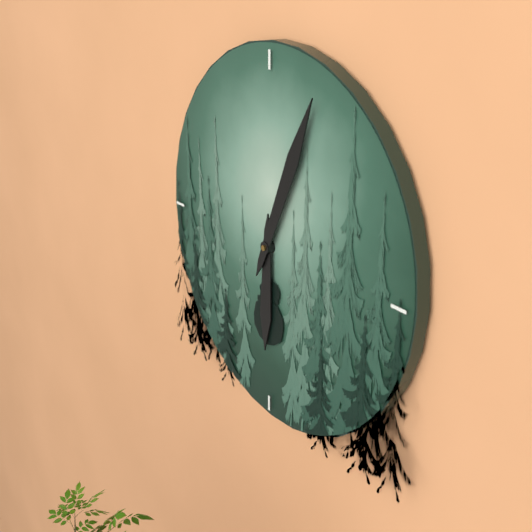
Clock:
6:04
